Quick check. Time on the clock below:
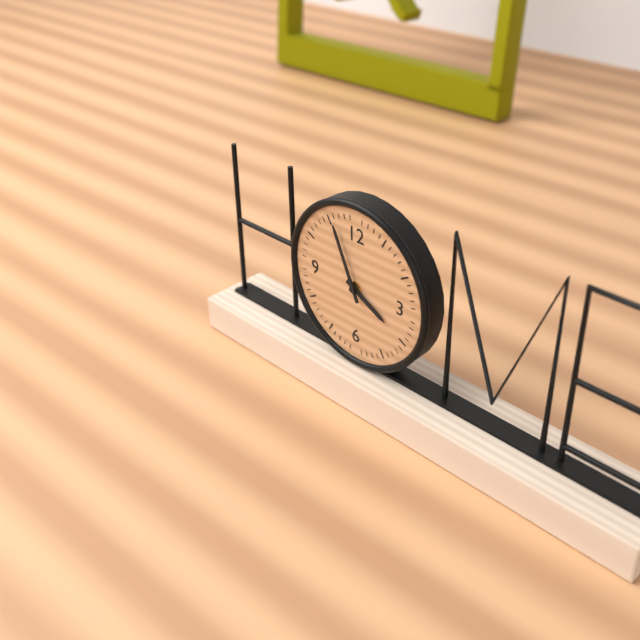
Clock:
3:56
